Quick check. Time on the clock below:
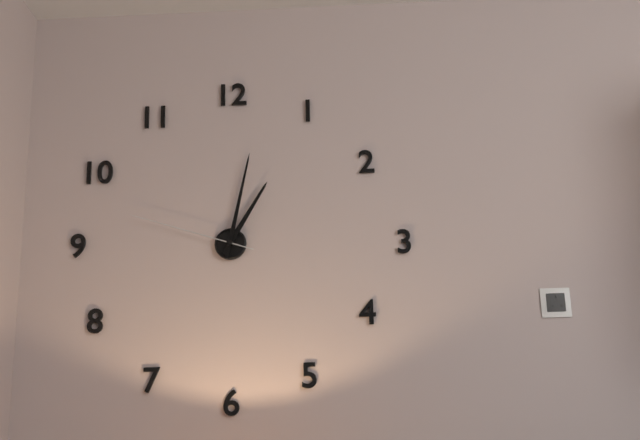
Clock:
1:02:48
